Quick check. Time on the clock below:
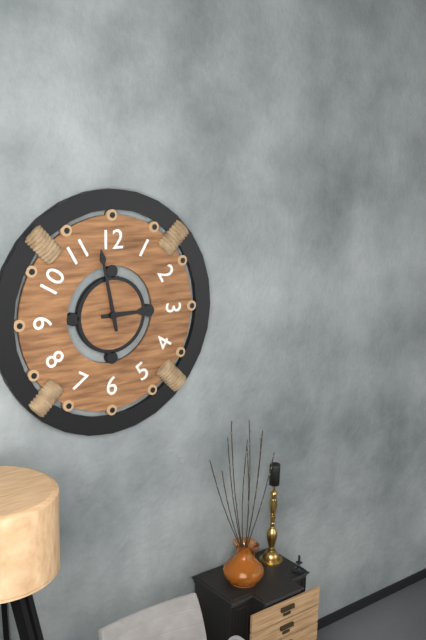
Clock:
2:58
